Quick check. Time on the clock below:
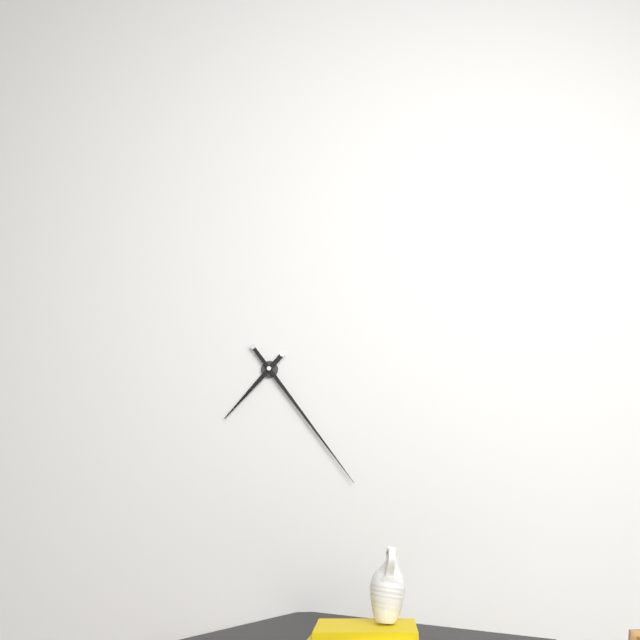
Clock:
7:24
